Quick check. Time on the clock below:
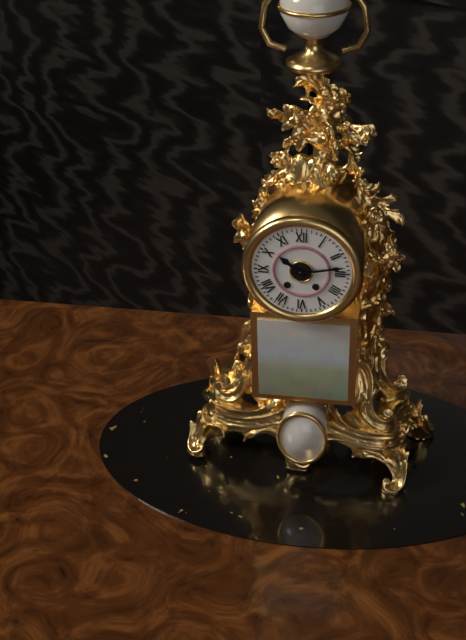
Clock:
10:13
